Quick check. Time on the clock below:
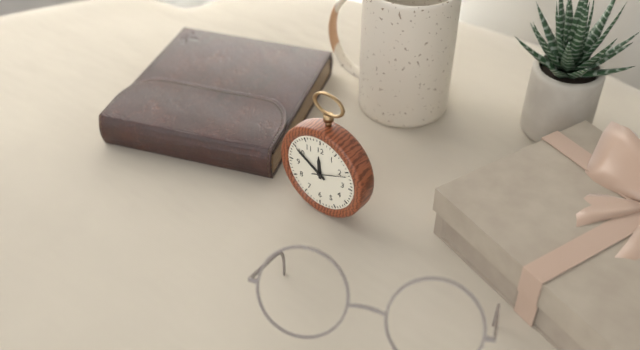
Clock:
11:50
